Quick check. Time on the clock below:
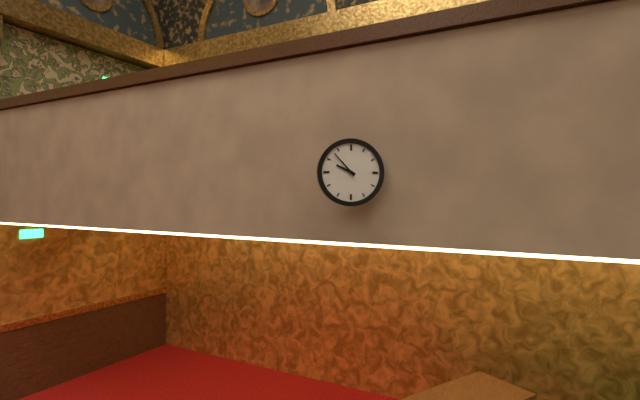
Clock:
9:53
